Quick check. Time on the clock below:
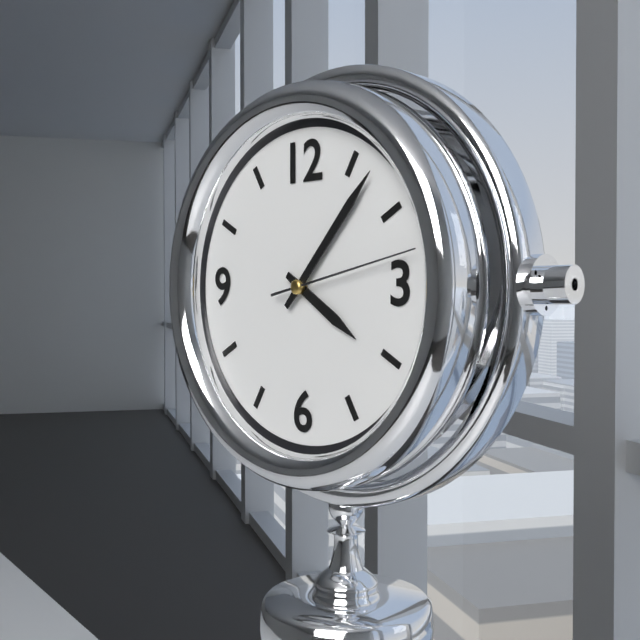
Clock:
4:07:13
